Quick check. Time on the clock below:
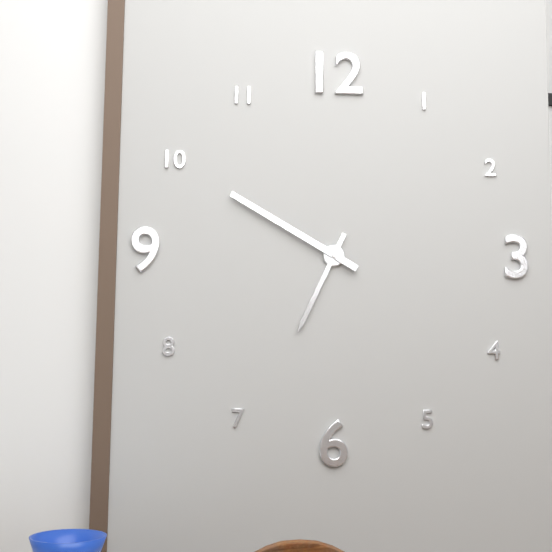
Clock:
6:50
